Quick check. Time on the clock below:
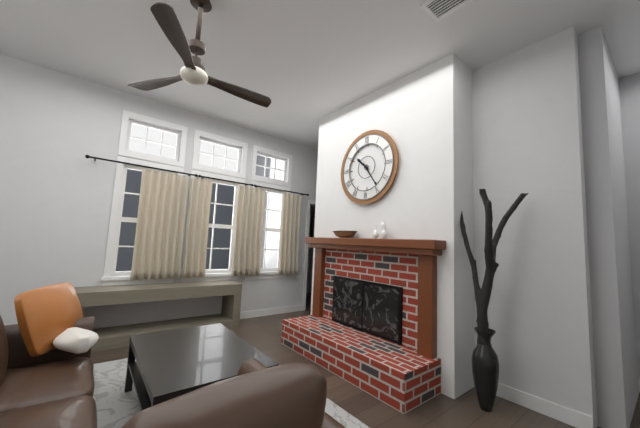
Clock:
10:24
